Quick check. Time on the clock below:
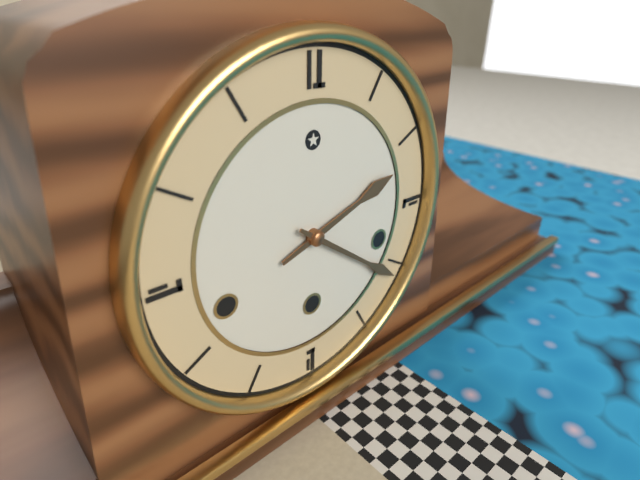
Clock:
2:21
